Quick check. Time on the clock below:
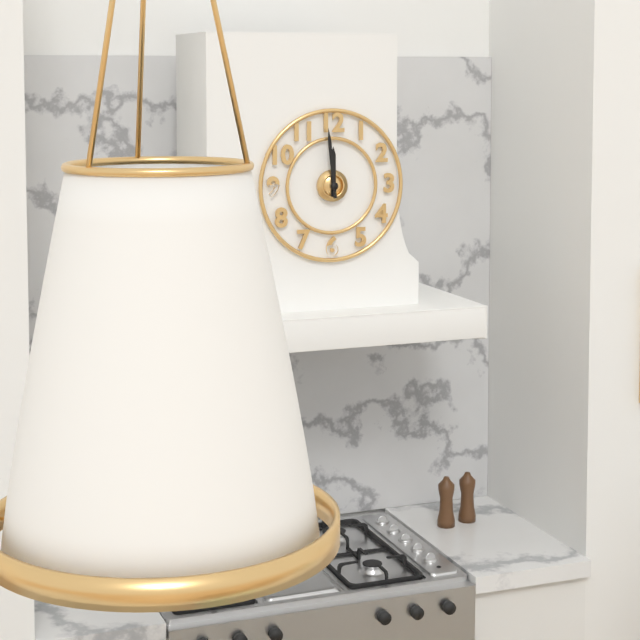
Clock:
11:59
